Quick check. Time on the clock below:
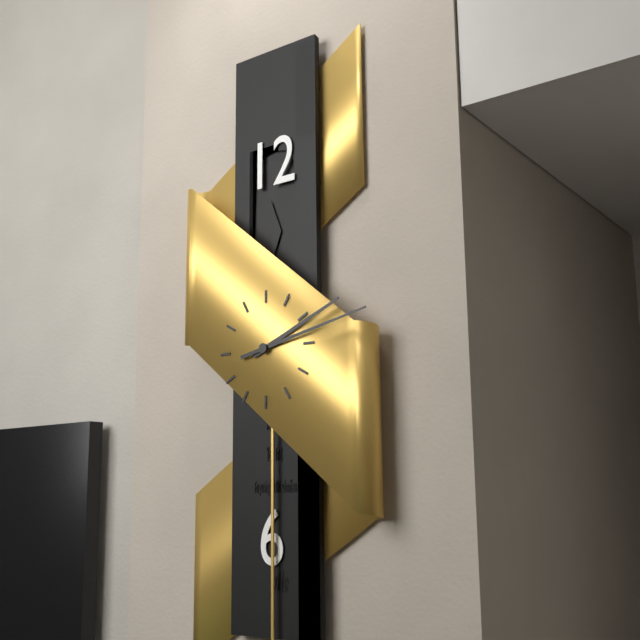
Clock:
2:13
